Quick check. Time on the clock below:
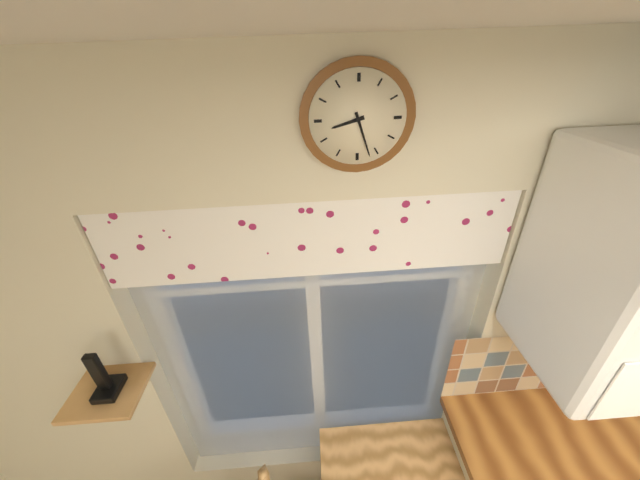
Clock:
8:27
